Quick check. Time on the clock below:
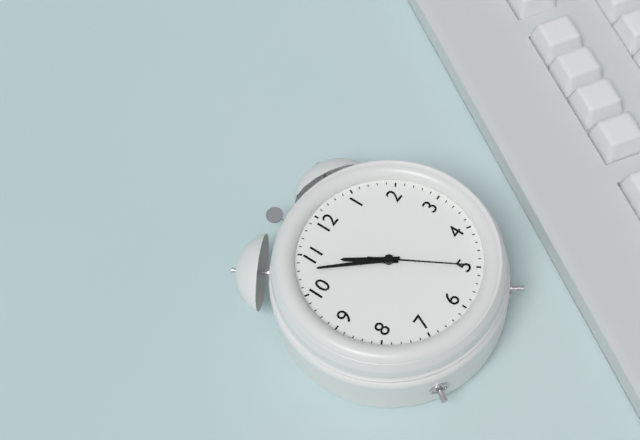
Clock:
10:53:25
